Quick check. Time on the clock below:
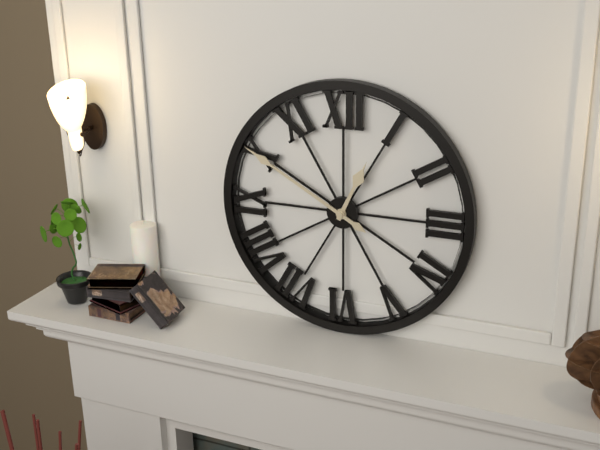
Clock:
12:50
